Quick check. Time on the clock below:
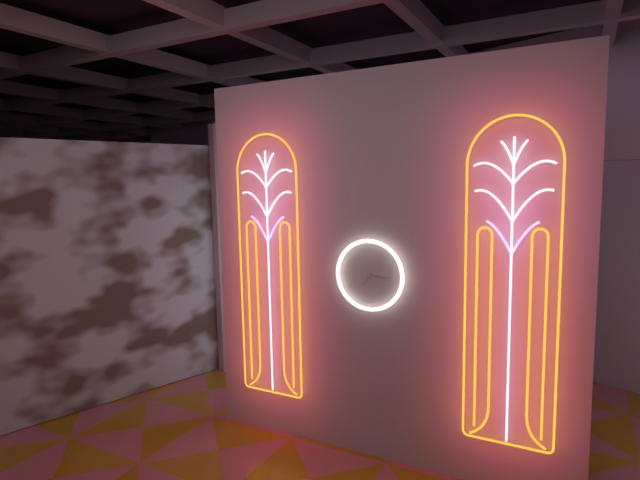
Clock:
7:16
